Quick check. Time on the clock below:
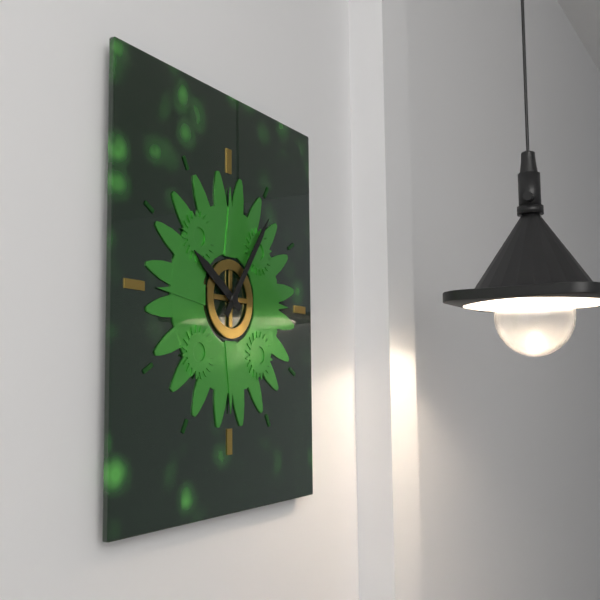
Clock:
10:06
